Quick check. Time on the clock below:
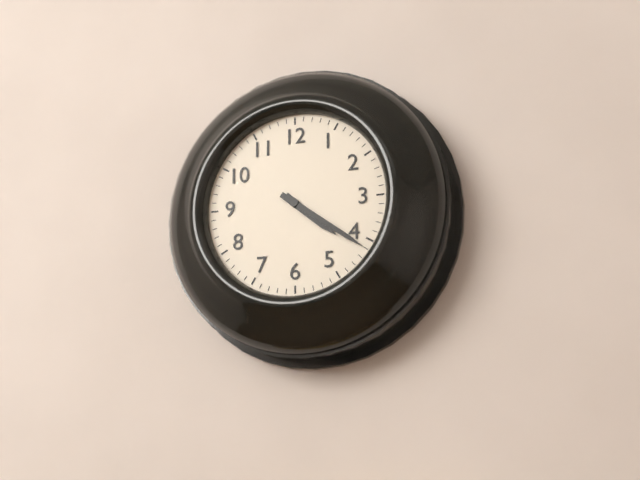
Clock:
4:21
